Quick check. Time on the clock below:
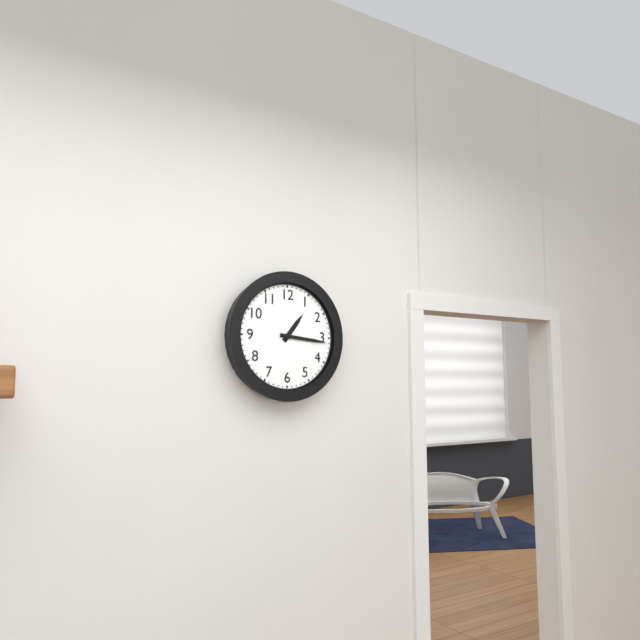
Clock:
1:16
